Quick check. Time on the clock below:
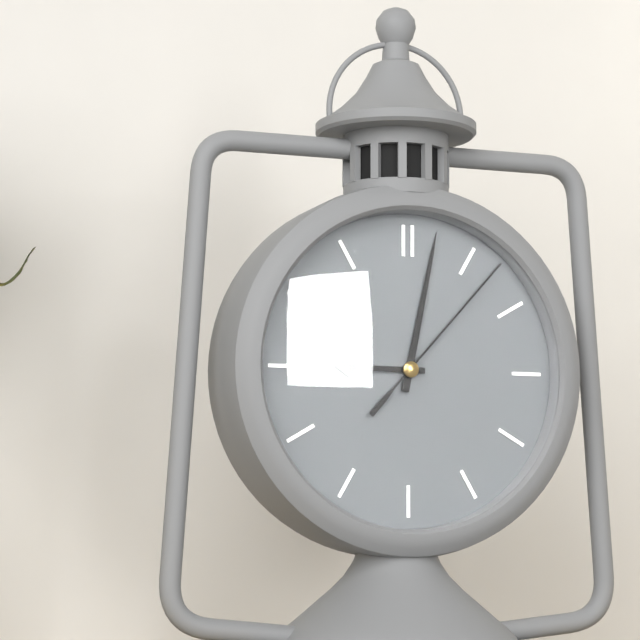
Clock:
9:02:07
